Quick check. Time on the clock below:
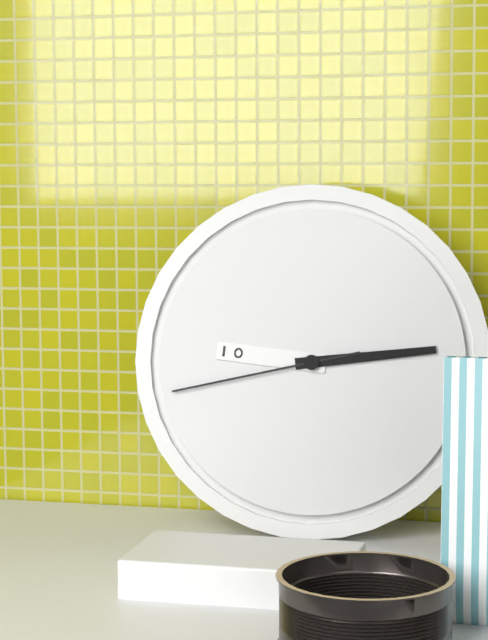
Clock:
9:14:43
